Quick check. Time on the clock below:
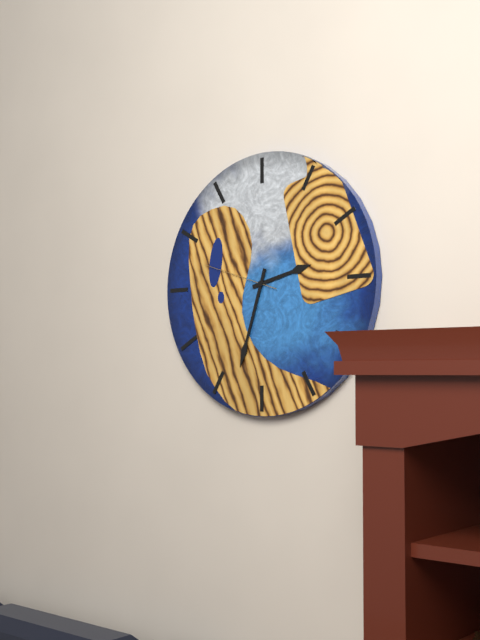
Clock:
2:33:48
